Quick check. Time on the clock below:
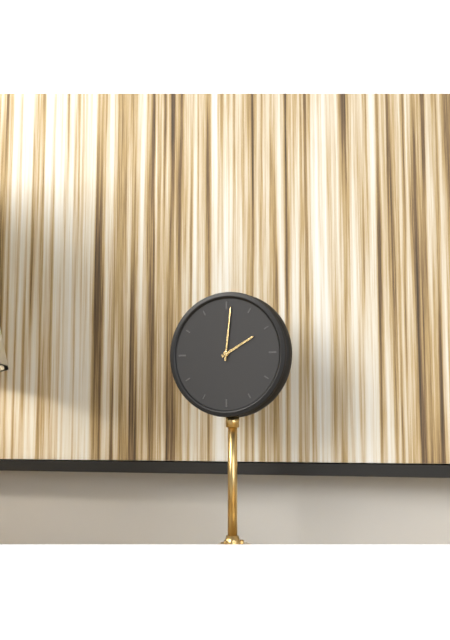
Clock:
2:01
